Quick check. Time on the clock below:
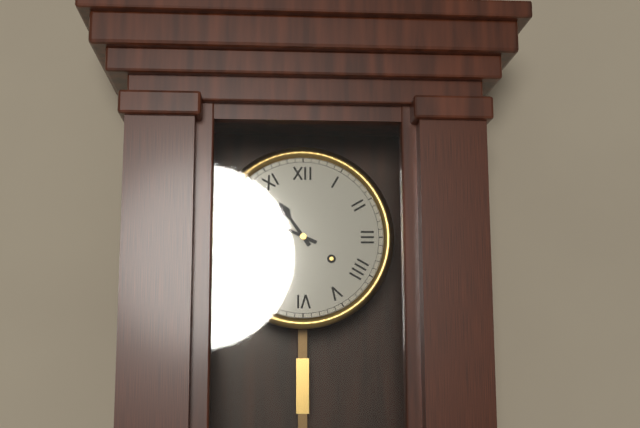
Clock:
10:49
